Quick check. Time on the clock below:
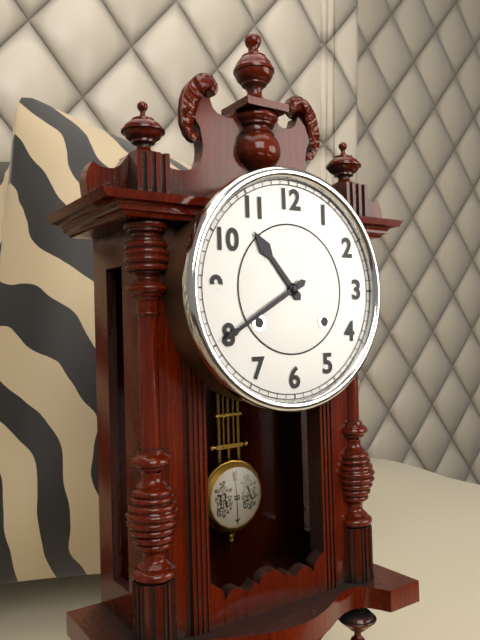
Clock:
10:40
